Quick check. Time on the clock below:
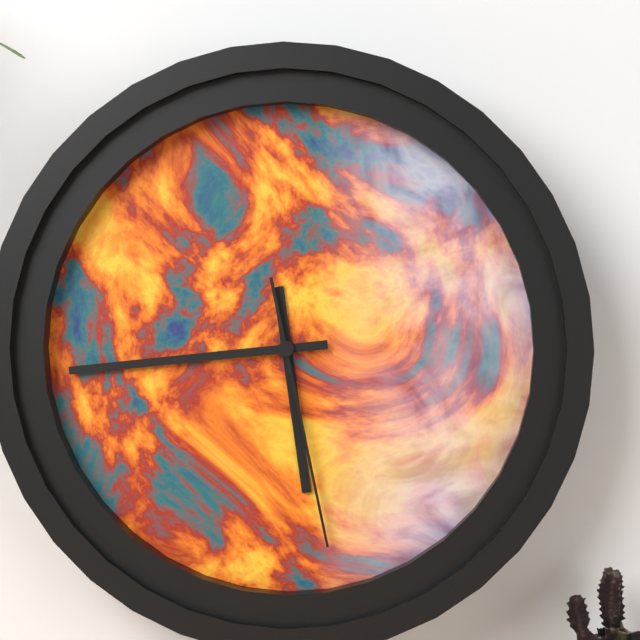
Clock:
5:44:28
